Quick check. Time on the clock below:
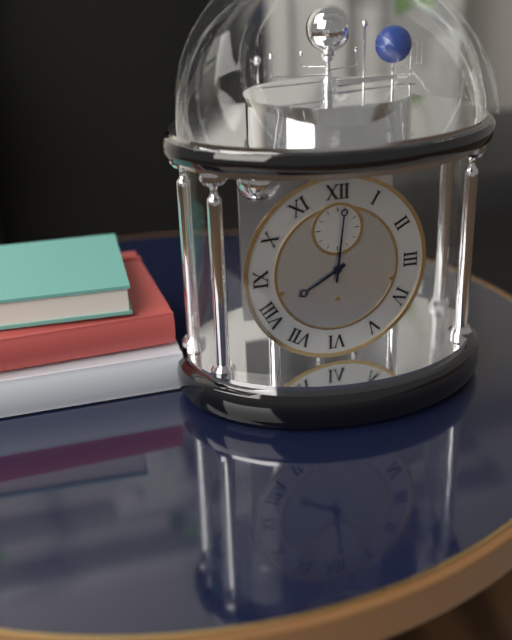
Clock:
8:01
